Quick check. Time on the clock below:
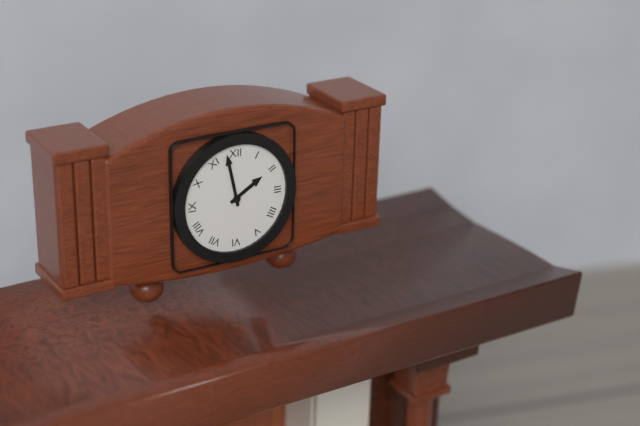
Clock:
1:58
